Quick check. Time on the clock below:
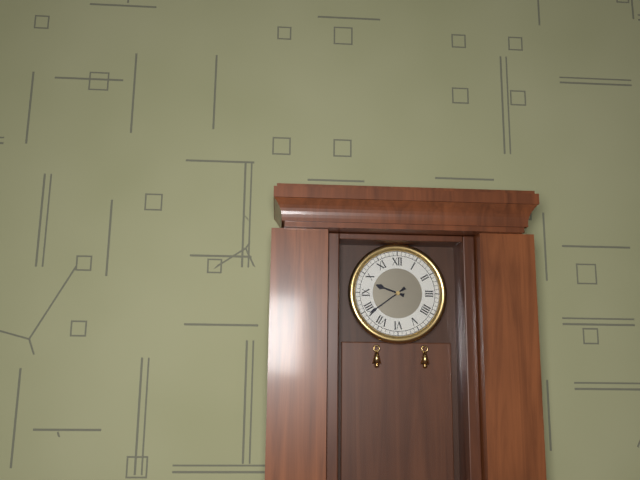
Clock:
9:39
